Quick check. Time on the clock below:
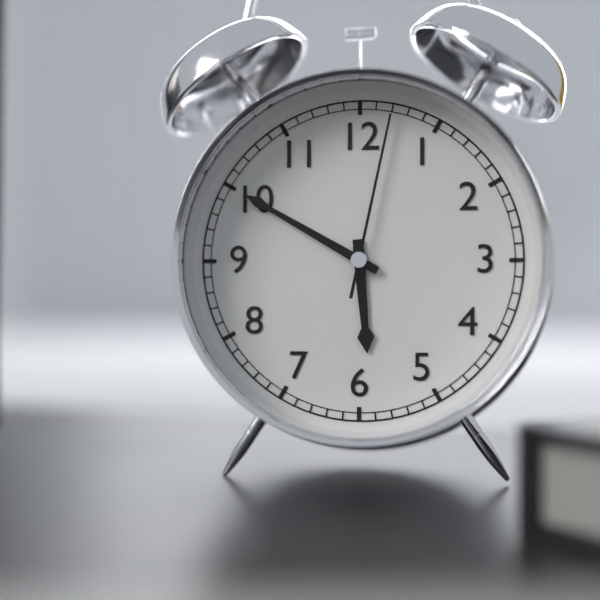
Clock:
5:50:02
